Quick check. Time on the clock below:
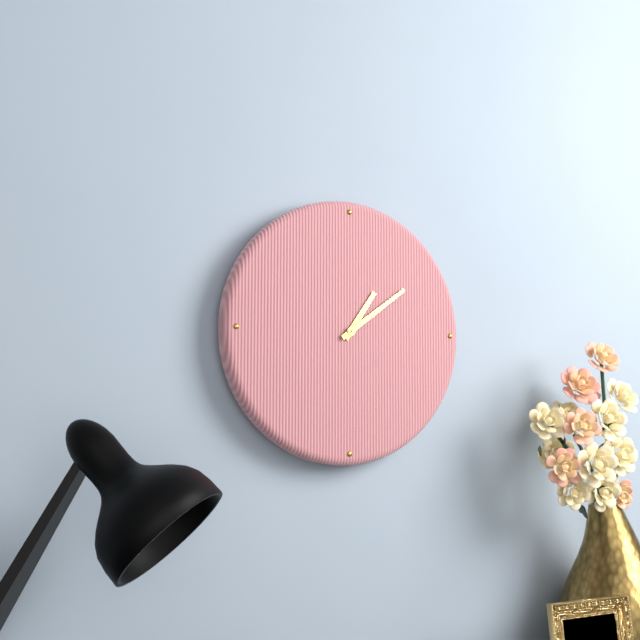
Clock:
1:09
